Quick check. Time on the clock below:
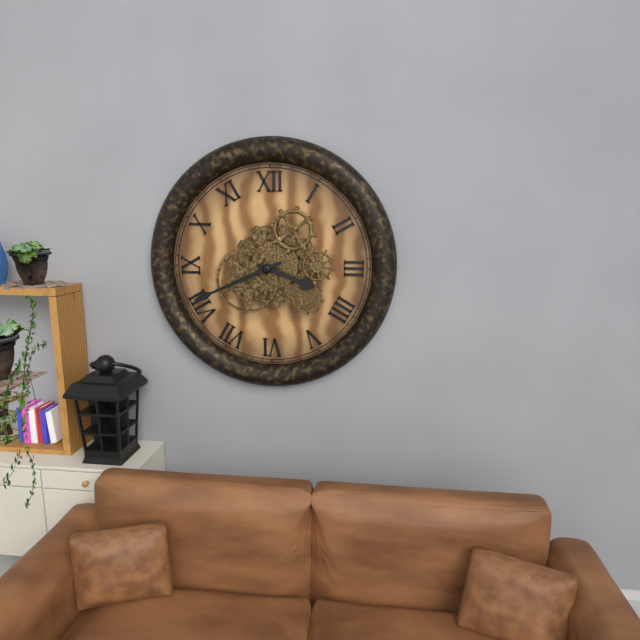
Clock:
3:41
